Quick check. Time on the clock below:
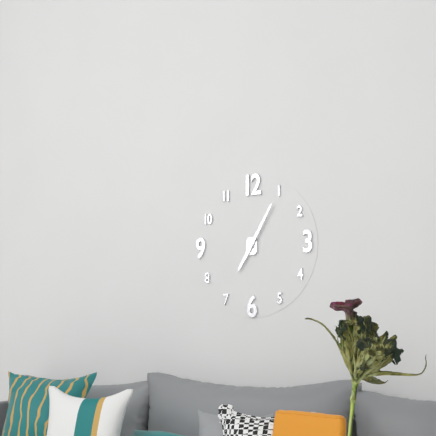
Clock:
7:05
